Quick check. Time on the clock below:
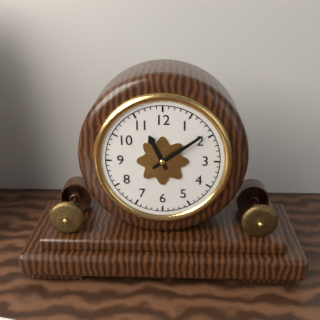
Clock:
11:09
